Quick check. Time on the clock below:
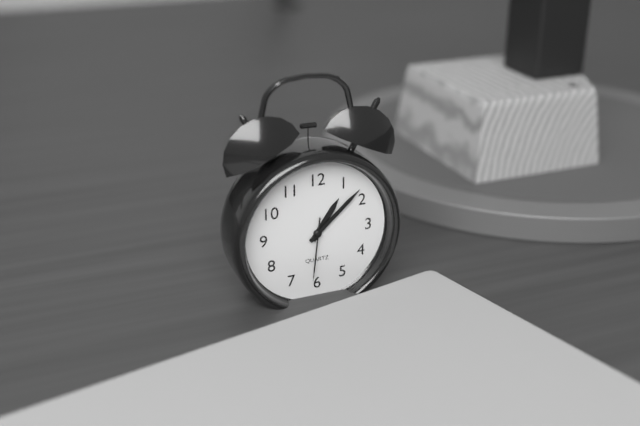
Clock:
1:08:31
